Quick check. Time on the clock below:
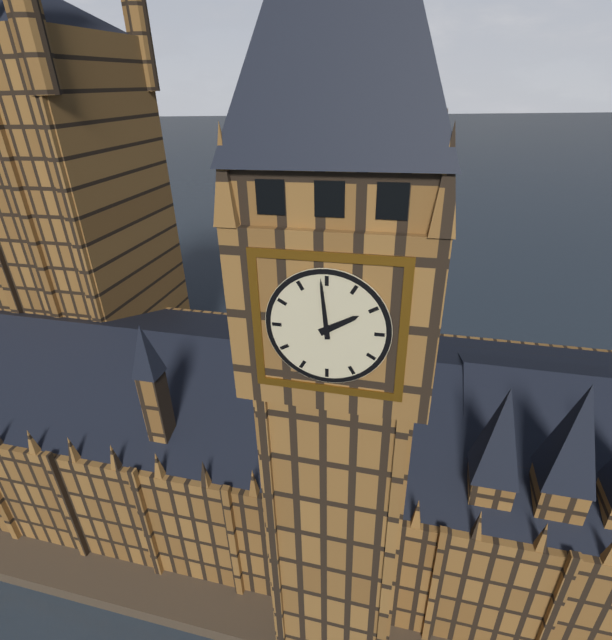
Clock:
1:59
